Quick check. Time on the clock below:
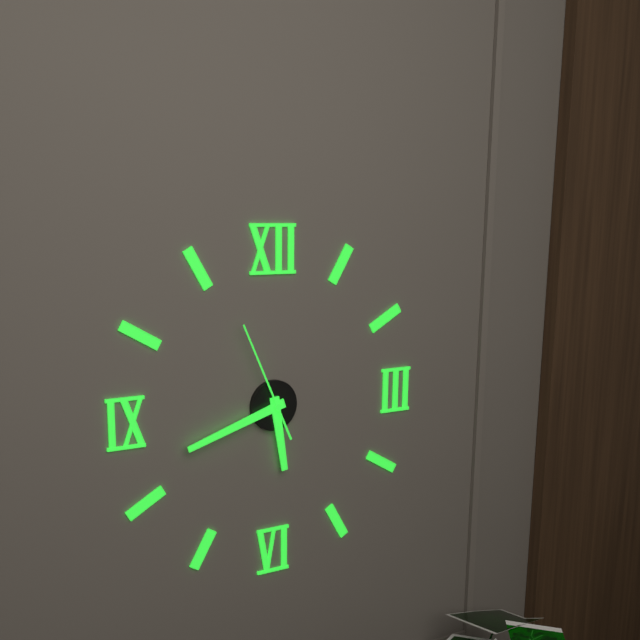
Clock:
5:42:56
